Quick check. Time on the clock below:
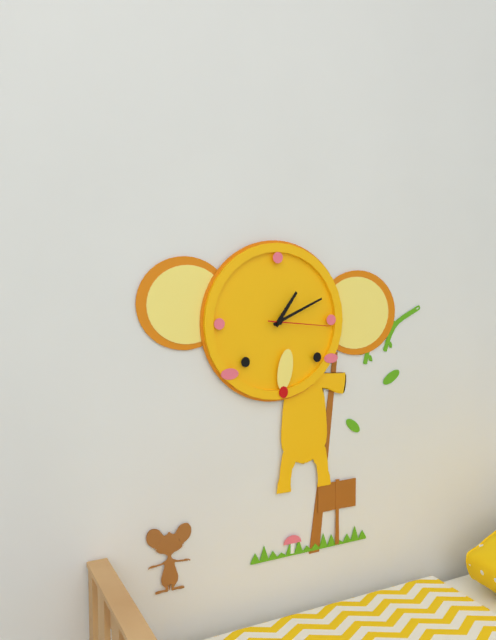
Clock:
1:11:16
